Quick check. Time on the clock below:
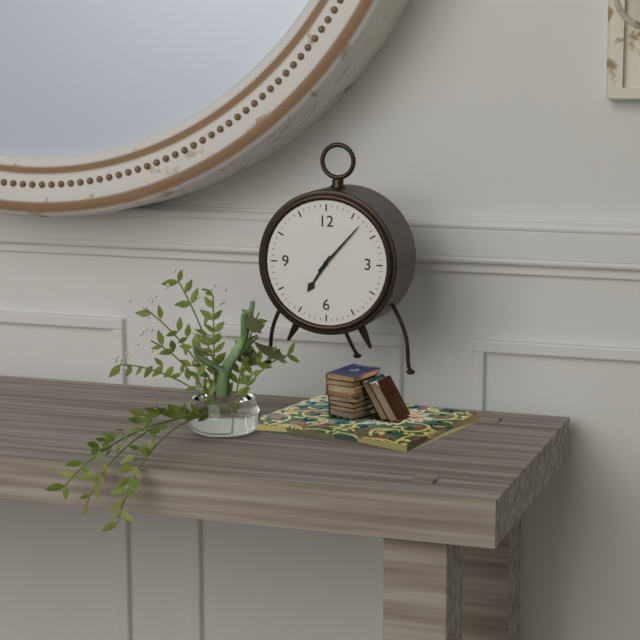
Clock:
7:07
